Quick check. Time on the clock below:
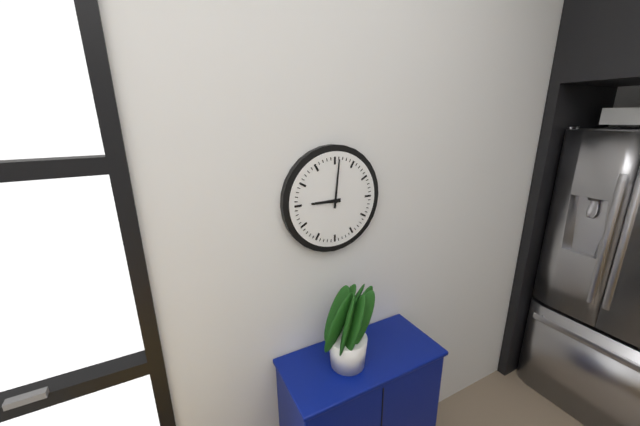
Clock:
9:01
